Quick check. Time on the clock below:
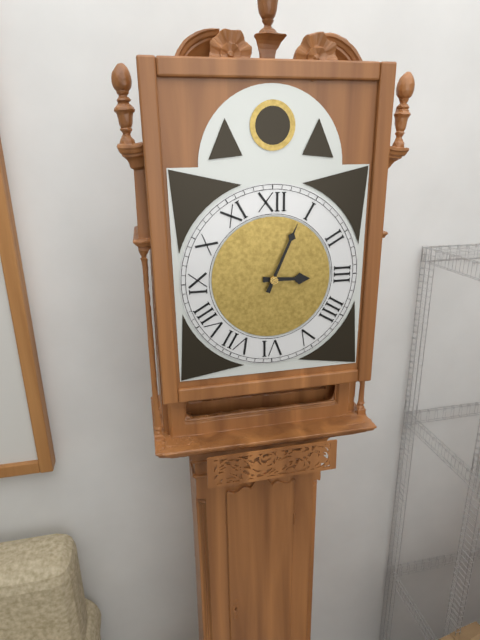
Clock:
3:04
